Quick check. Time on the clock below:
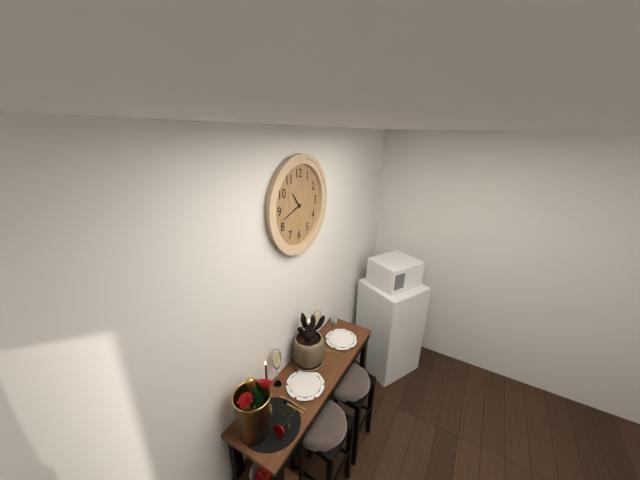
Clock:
10:42
